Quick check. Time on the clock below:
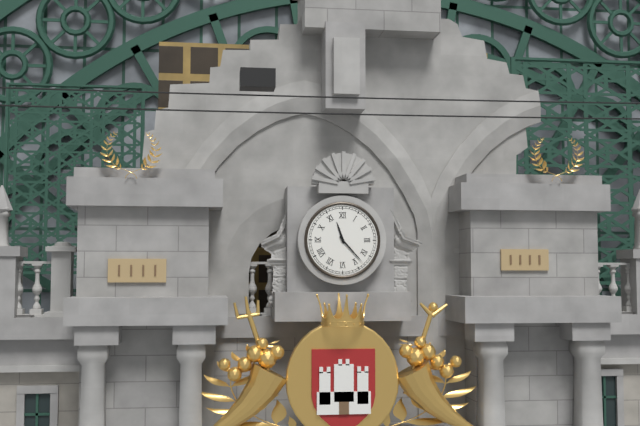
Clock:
11:23
